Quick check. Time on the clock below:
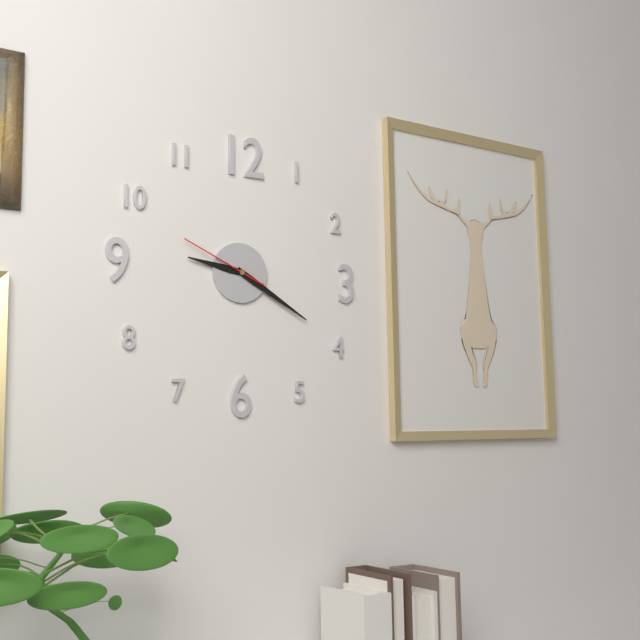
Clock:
9:20:49
